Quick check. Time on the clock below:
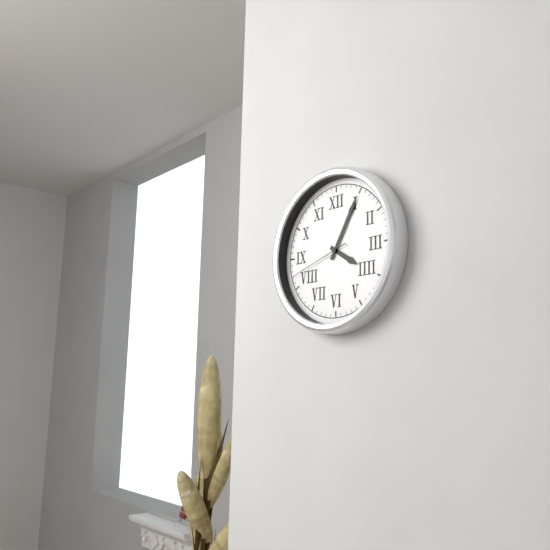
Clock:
4:05:42
